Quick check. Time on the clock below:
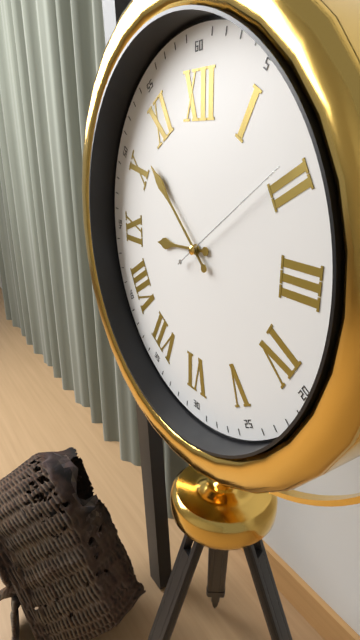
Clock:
8:52:09
